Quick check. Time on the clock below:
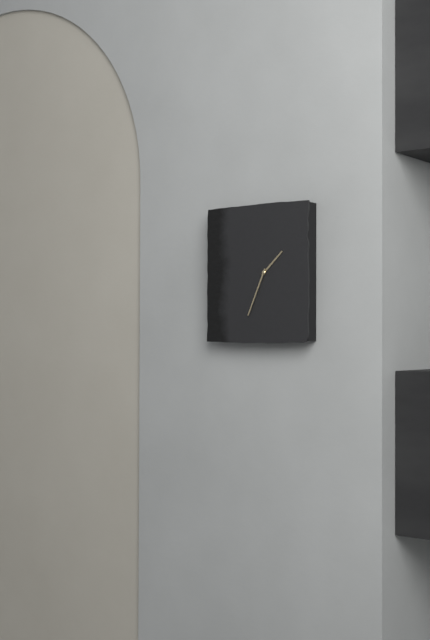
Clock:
1:34
